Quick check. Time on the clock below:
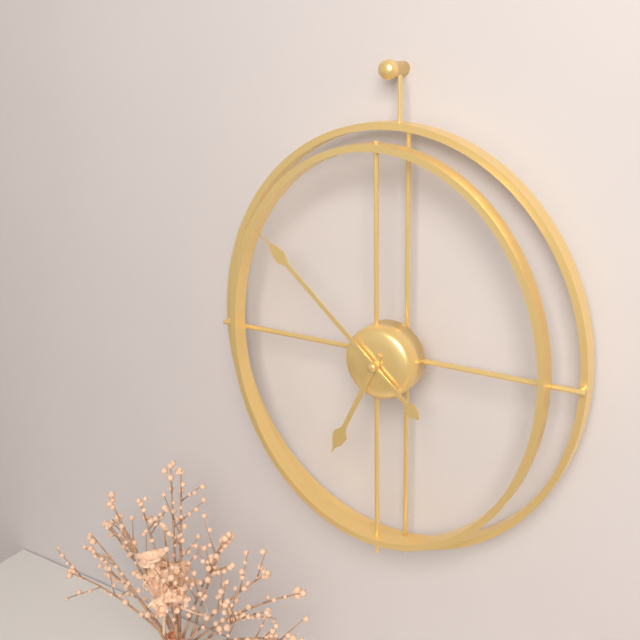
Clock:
6:52
